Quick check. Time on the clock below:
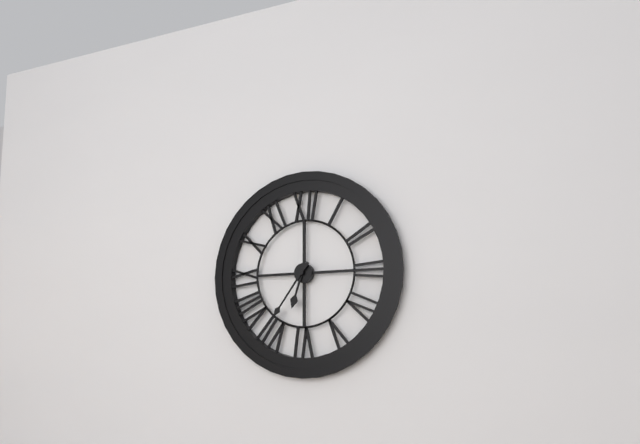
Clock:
6:36
